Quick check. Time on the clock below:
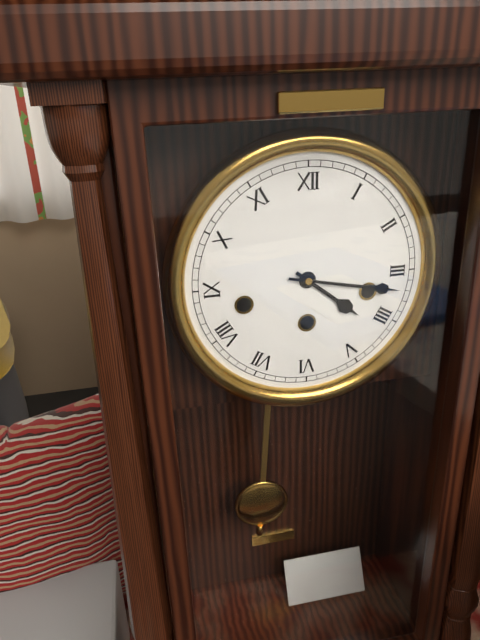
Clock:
4:17
